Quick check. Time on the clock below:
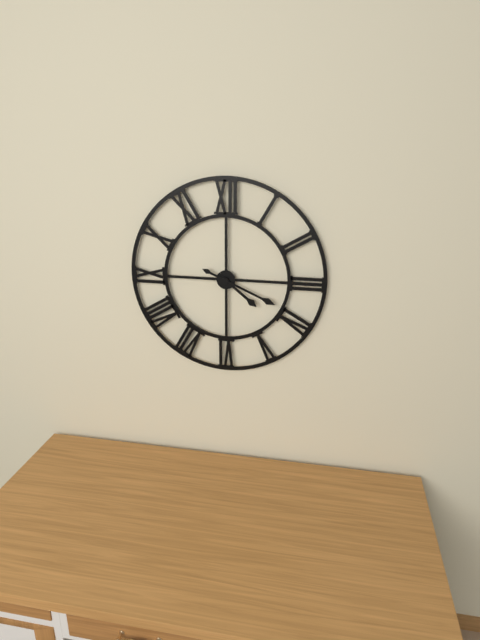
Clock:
4:19
